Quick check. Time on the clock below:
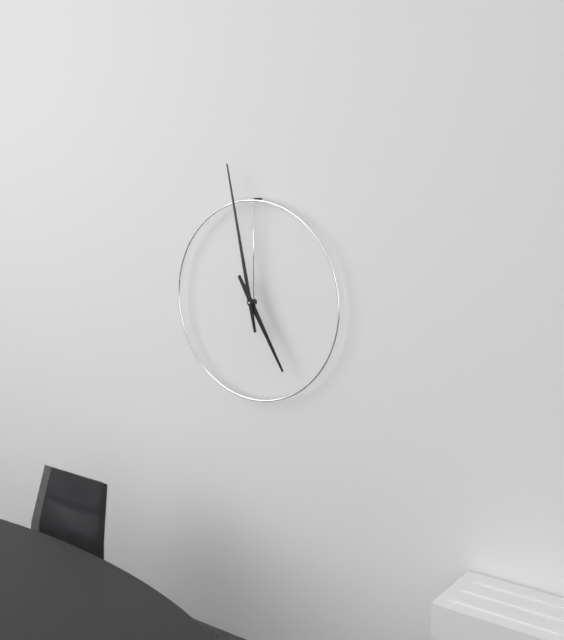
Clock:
4:58
